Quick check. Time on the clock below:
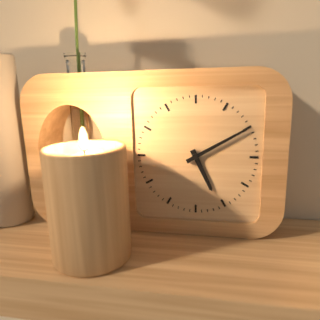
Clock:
5:10
